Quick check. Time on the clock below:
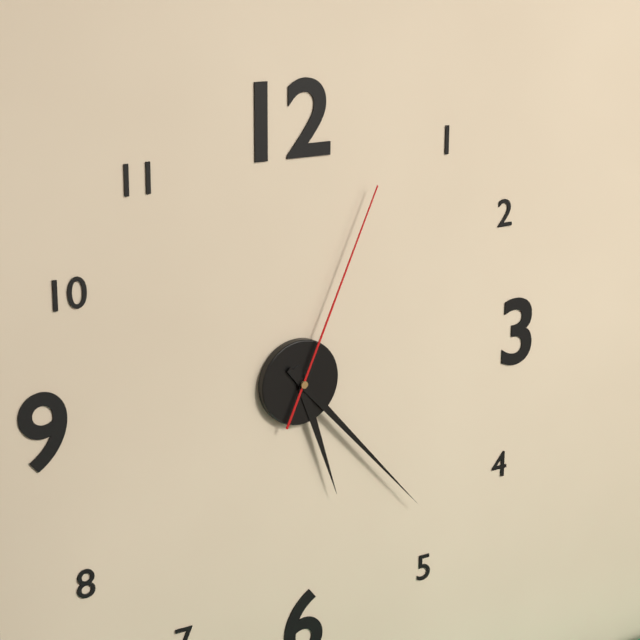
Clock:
5:23:04
